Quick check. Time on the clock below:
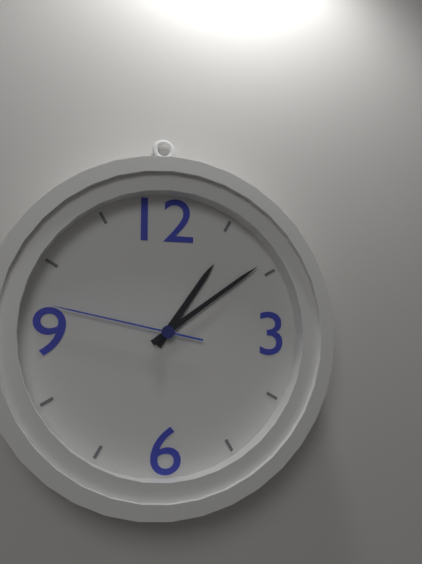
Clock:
1:09:47
